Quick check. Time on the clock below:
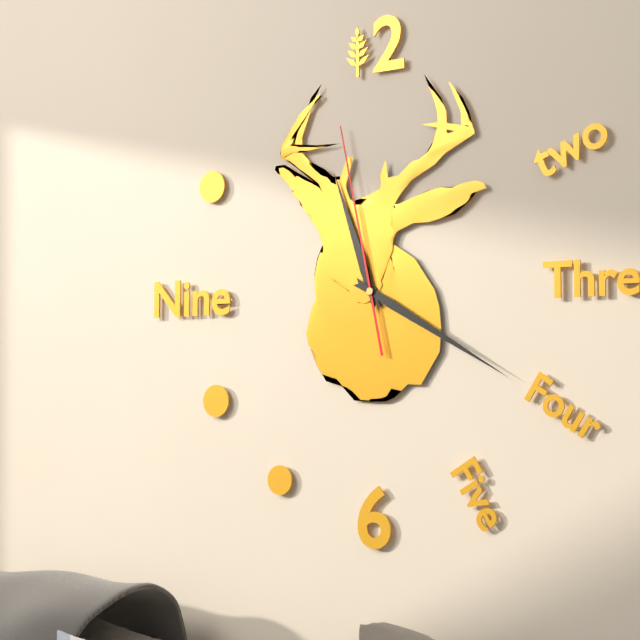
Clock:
11:20:58
